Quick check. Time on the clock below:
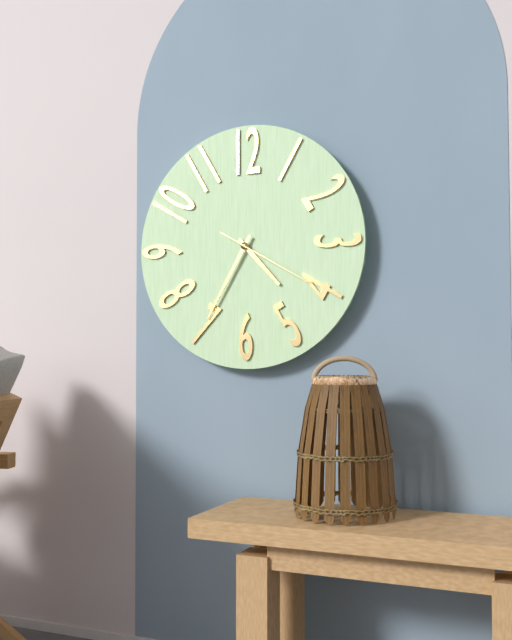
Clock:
4:35:20
